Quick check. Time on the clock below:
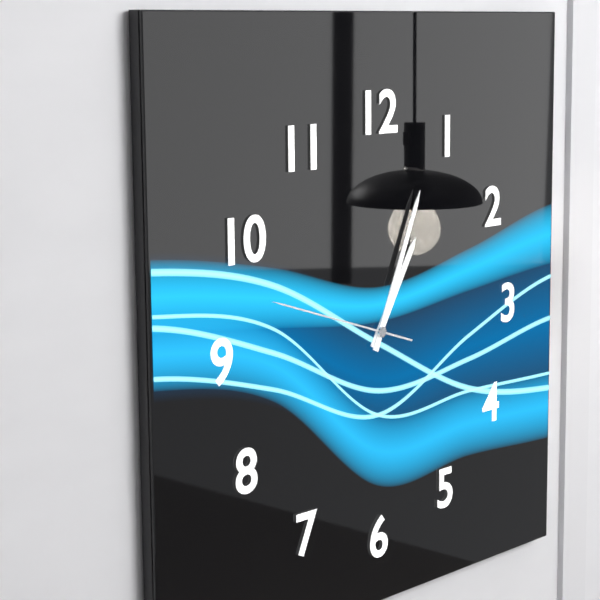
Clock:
1:04:48
